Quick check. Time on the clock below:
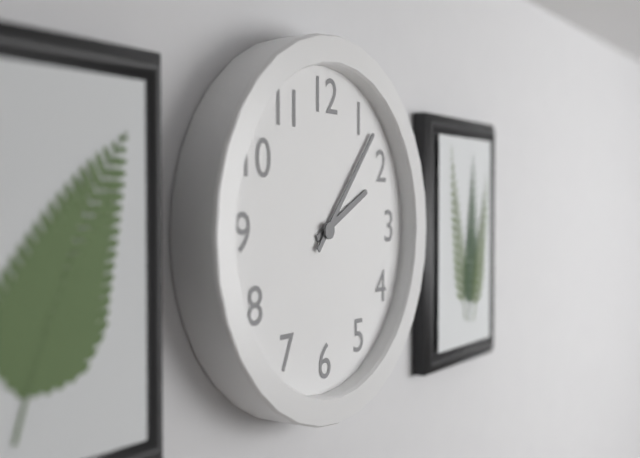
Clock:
2:07
